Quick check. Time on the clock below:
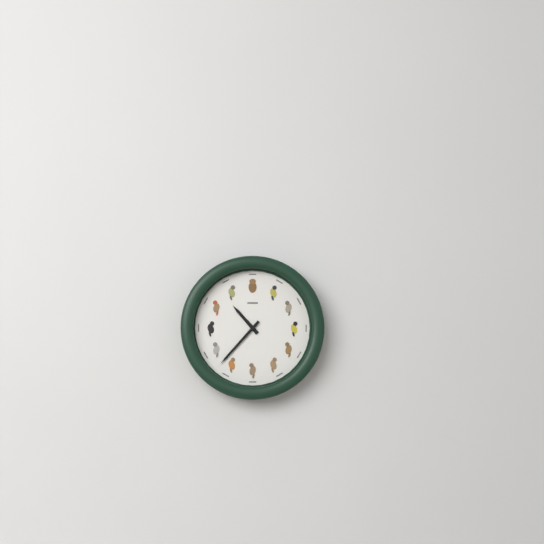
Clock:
10:37
